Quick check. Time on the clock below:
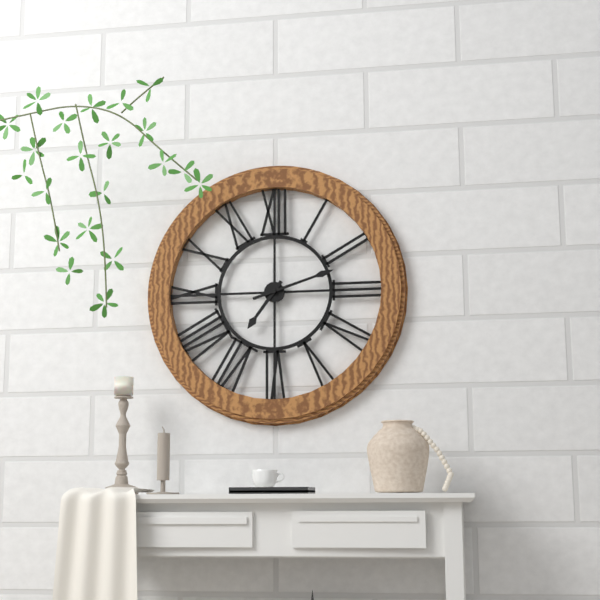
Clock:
7:12
